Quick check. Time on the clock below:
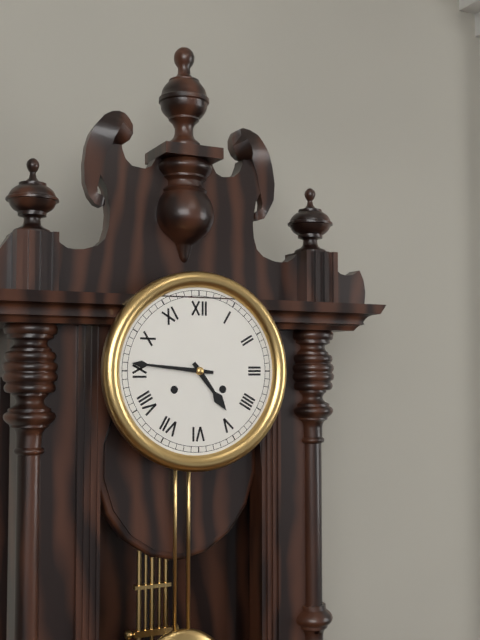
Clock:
4:46
